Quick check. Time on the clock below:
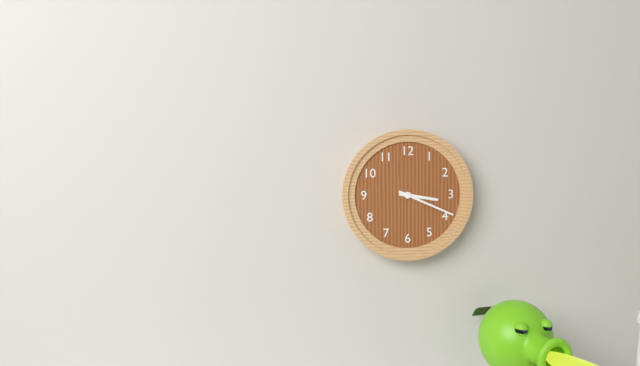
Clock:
3:19
